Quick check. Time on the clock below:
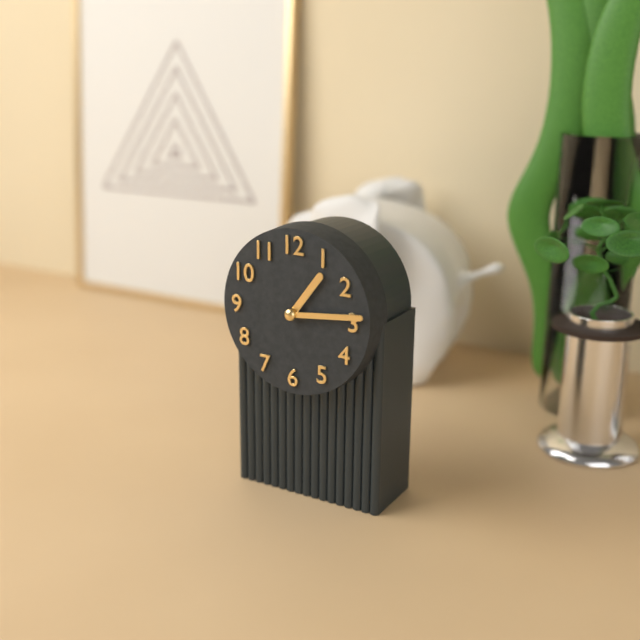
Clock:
1:14
